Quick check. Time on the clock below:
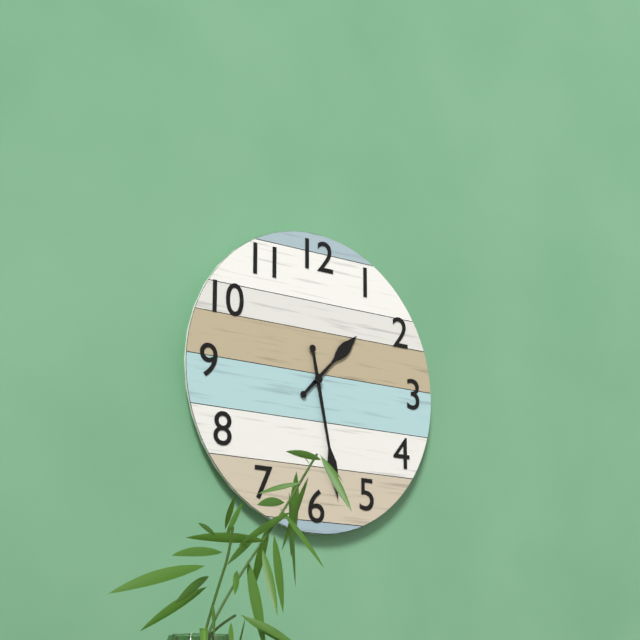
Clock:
1:28
